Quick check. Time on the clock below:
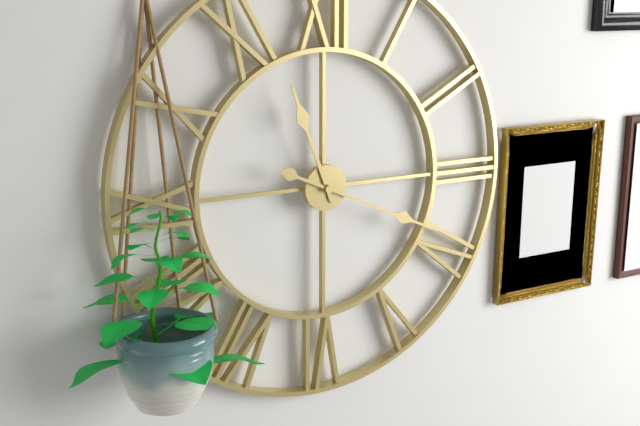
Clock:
11:19
